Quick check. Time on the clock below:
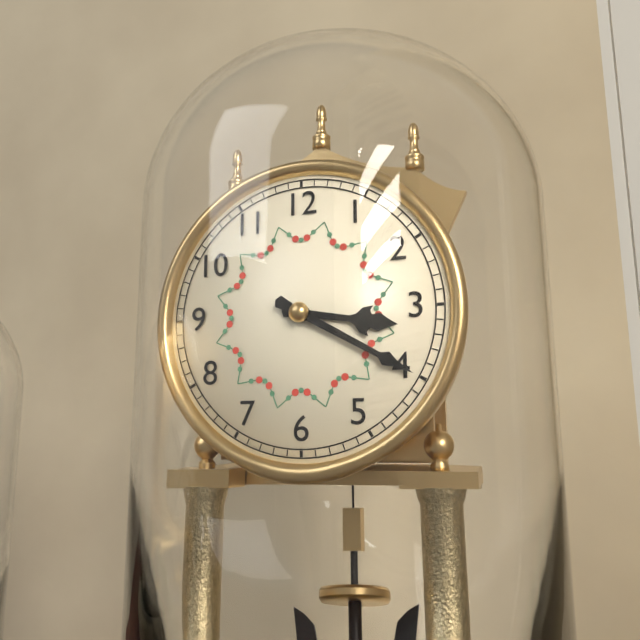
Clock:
3:20
